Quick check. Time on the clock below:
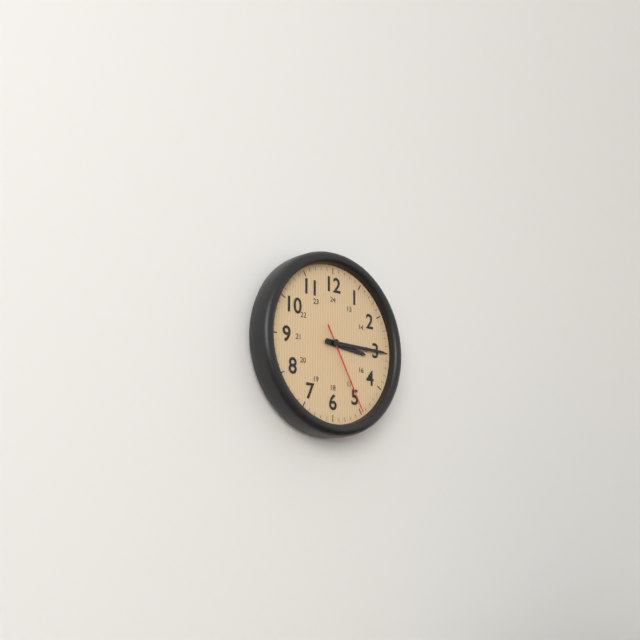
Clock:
3:15:25
